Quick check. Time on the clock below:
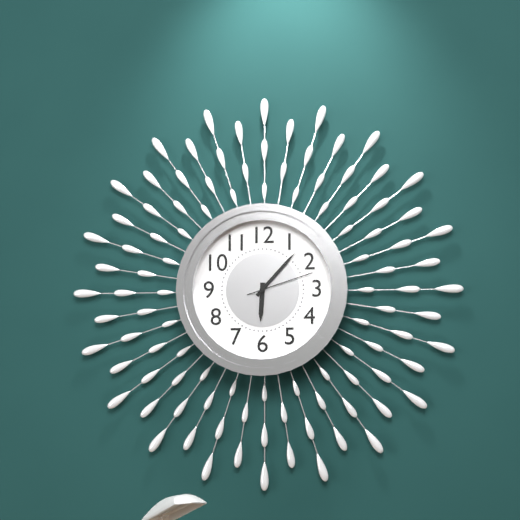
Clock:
6:07:12
